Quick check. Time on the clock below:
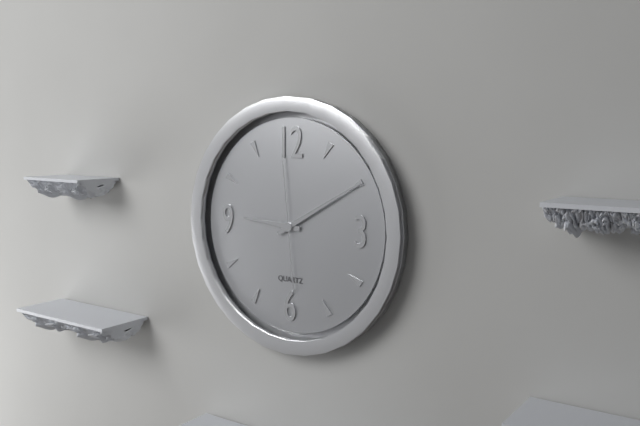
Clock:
9:10:59
